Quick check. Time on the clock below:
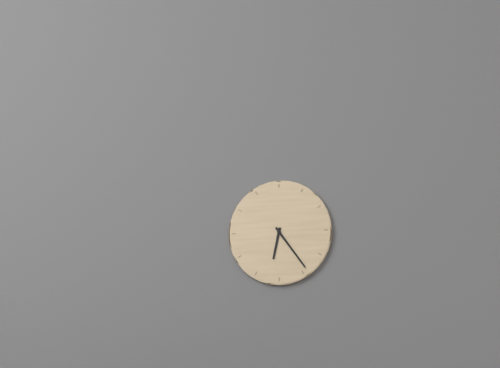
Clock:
6:24
